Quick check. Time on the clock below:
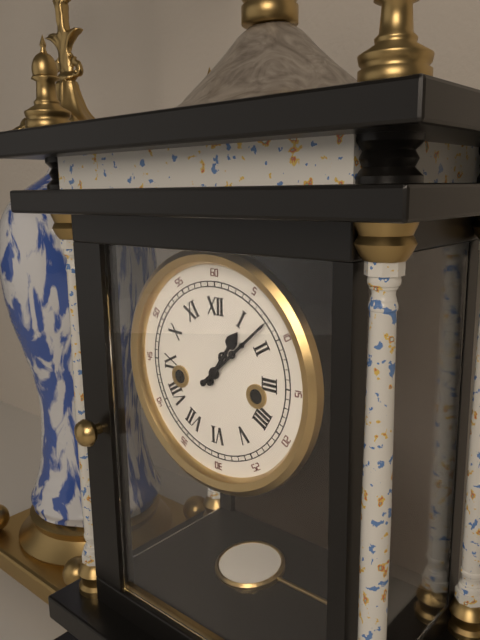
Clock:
1:08
